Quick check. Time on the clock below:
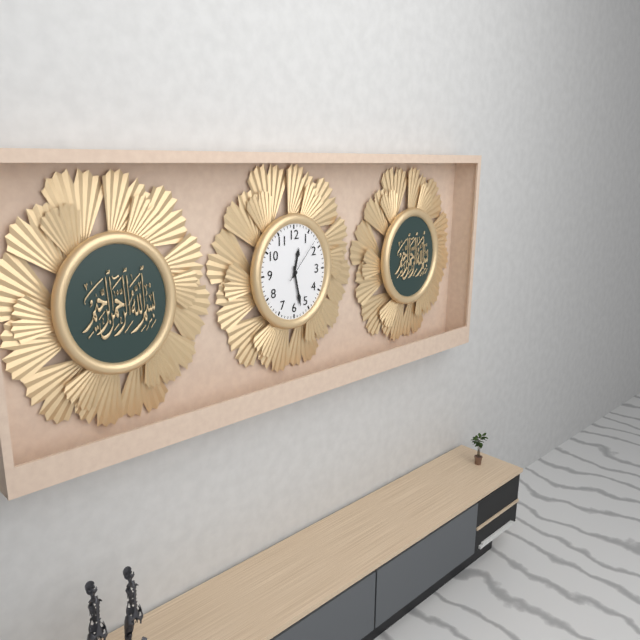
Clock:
12:28
